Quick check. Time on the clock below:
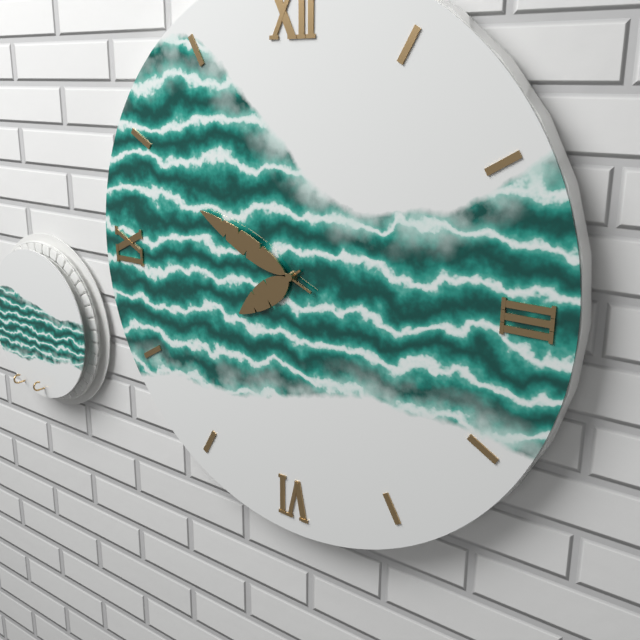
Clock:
7:49
